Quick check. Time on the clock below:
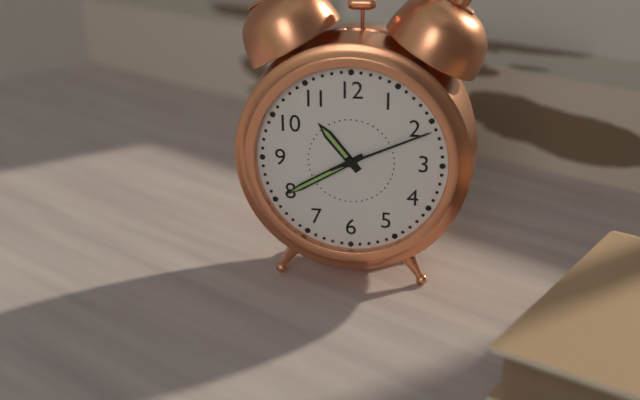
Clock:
10:40:11
